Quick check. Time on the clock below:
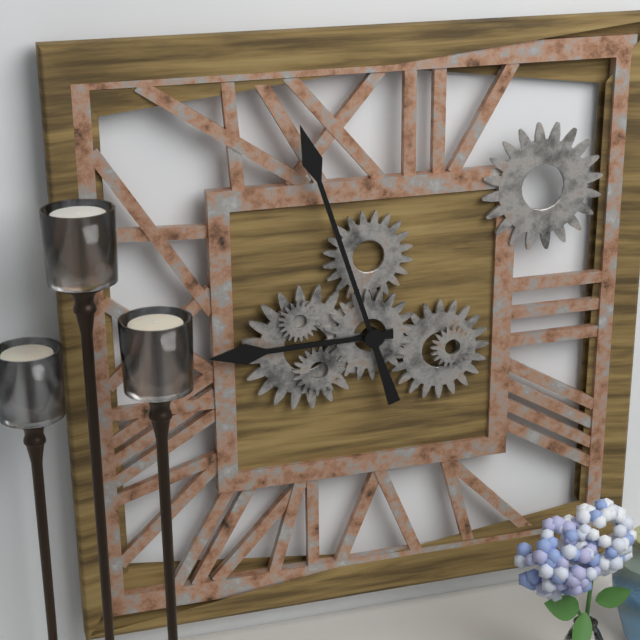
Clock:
8:57
